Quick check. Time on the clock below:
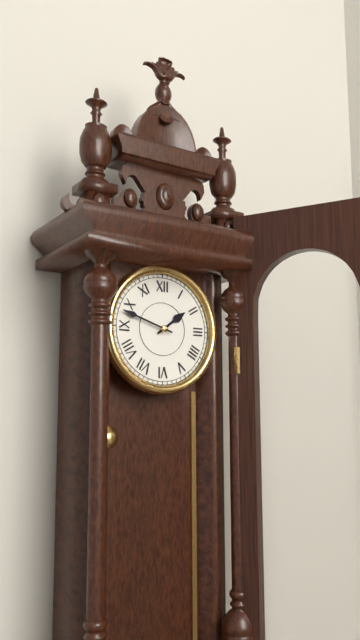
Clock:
1:48
